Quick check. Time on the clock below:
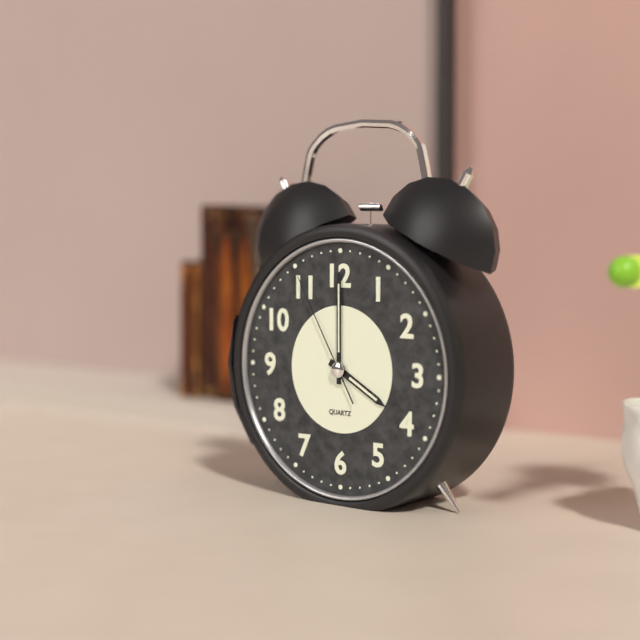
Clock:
4:00:55
